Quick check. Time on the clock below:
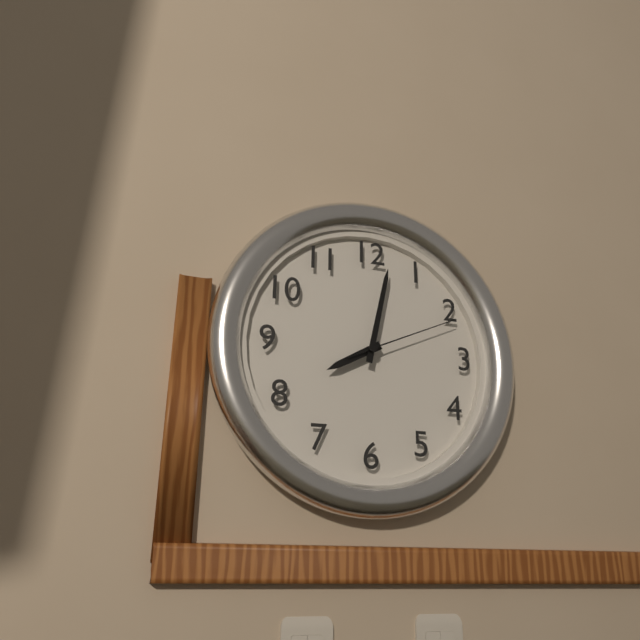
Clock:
8:02:11
